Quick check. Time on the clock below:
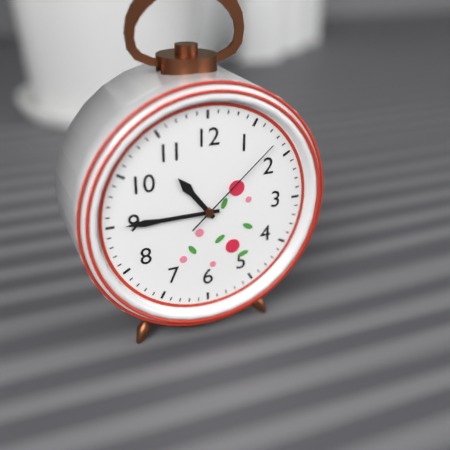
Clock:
10:45:08
